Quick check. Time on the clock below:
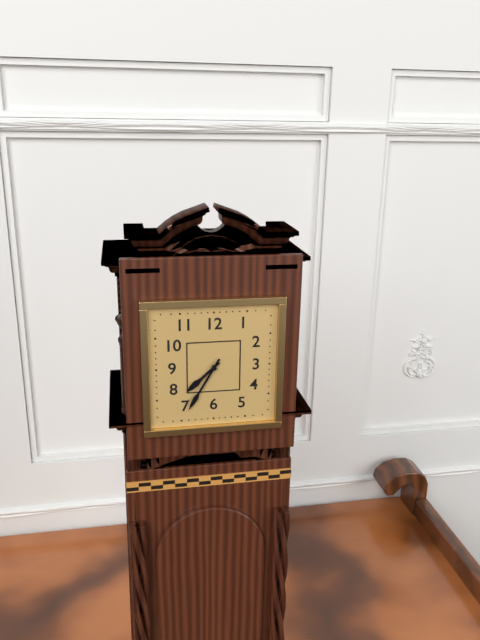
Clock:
7:35
